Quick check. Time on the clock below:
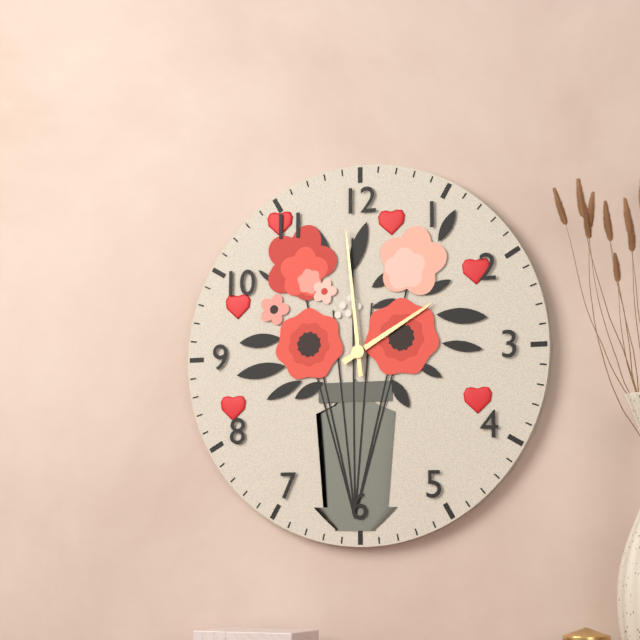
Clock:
1:59
